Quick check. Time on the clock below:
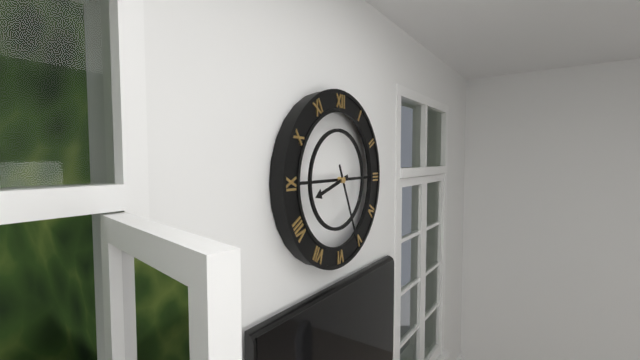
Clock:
8:26
